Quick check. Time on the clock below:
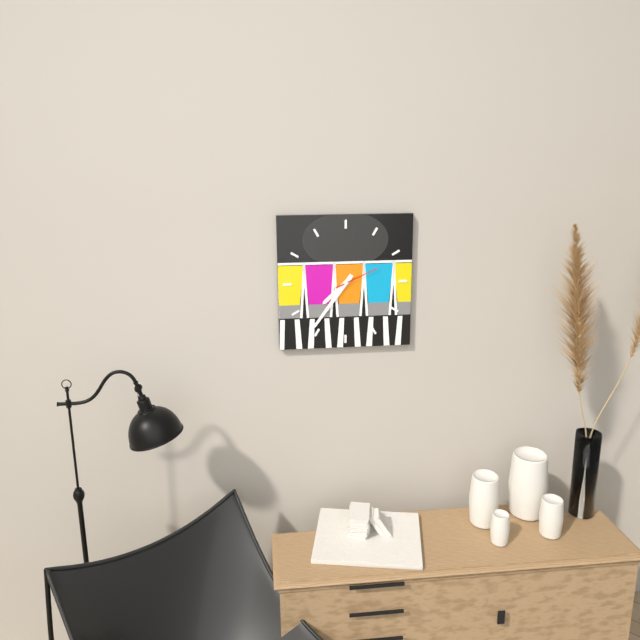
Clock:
7:36
